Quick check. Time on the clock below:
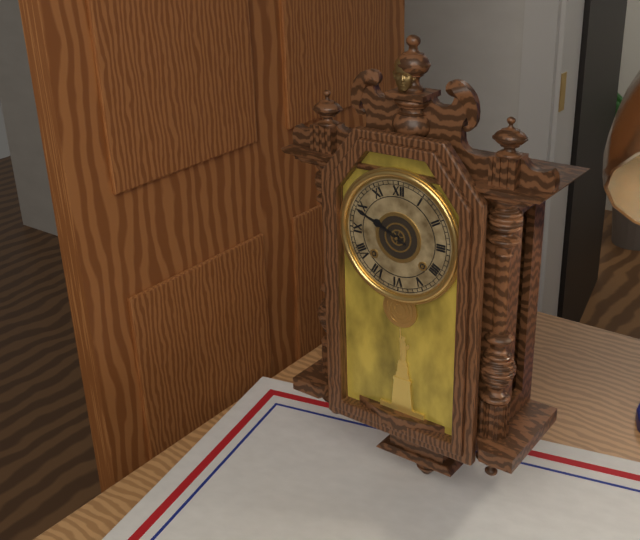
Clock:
9:49
